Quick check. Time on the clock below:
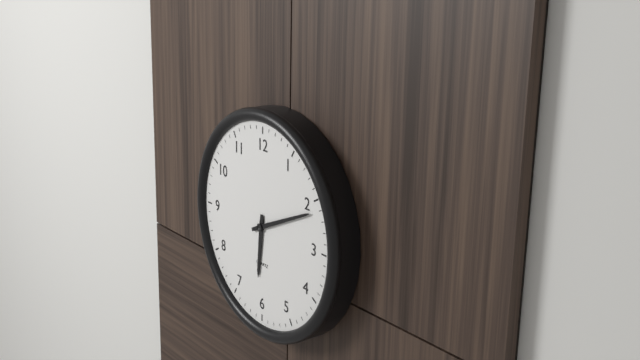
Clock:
6:11
